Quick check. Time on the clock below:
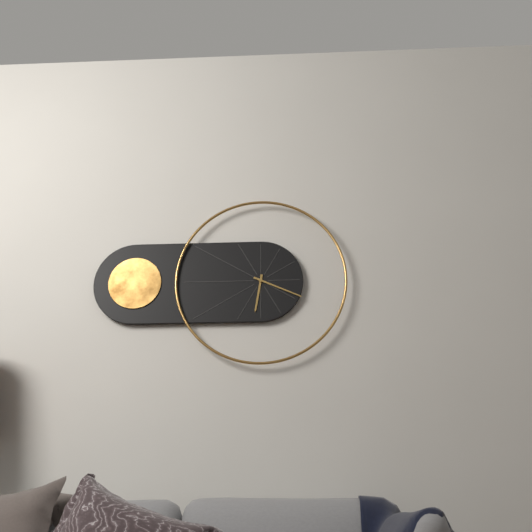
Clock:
6:19
